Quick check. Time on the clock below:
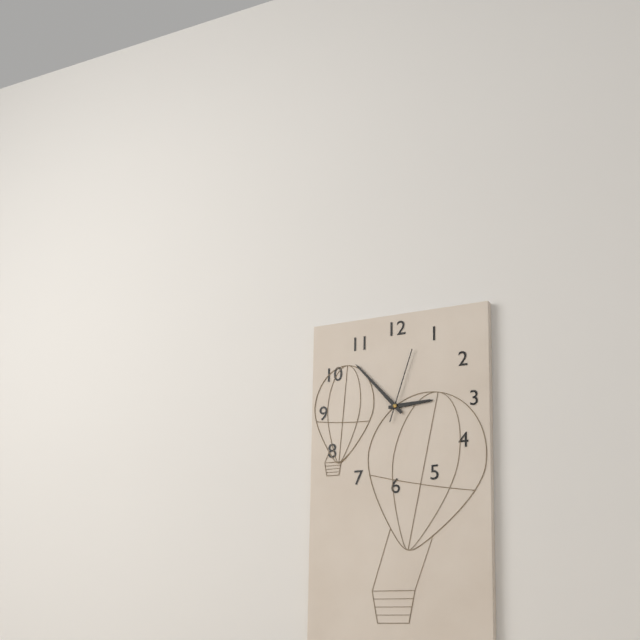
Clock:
2:53:03
